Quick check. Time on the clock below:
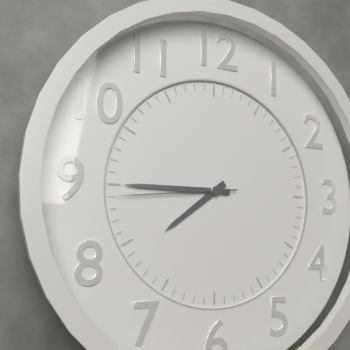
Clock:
7:45:44
